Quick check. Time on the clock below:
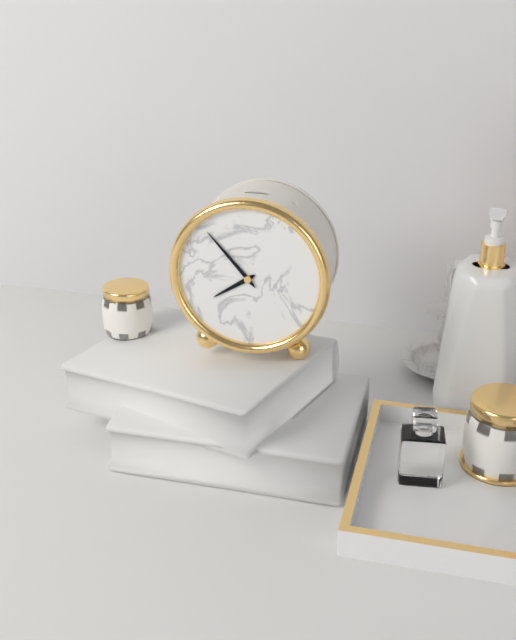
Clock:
7:53
